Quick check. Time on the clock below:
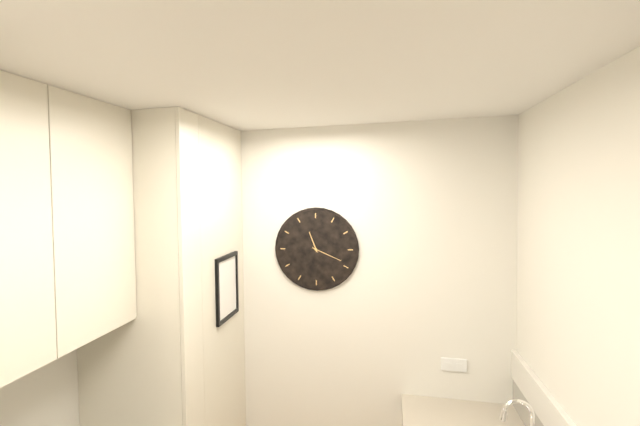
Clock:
11:19
